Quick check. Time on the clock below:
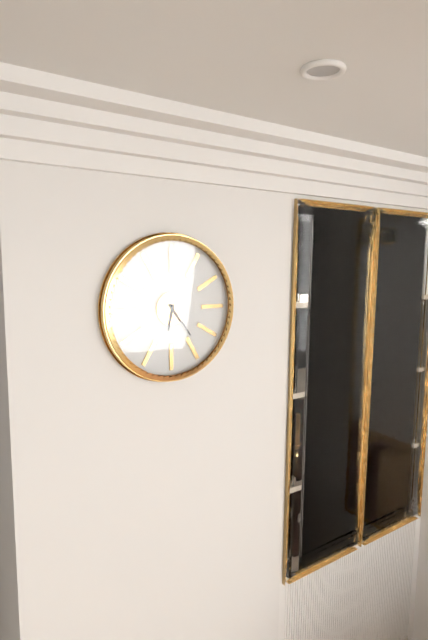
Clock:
6:24
